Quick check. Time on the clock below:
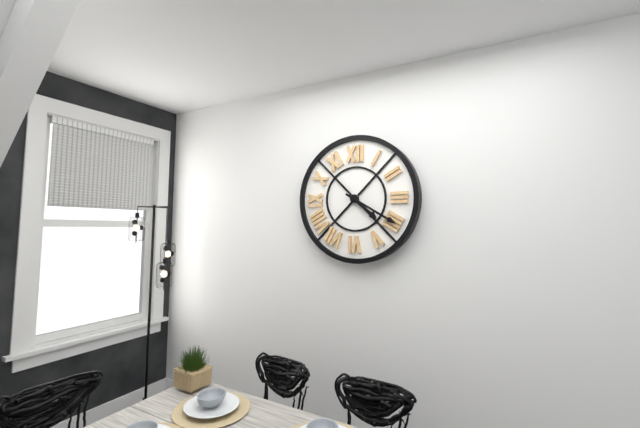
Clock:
4:20
